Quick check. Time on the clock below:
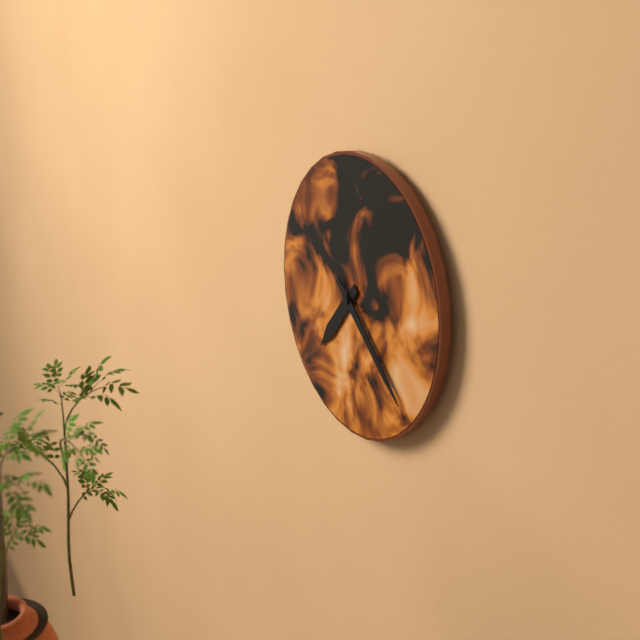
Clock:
7:22
